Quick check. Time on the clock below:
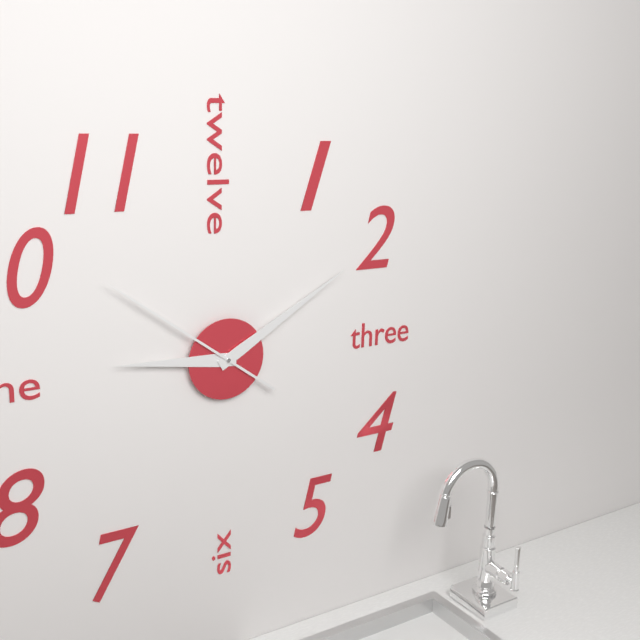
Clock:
9:10:51
